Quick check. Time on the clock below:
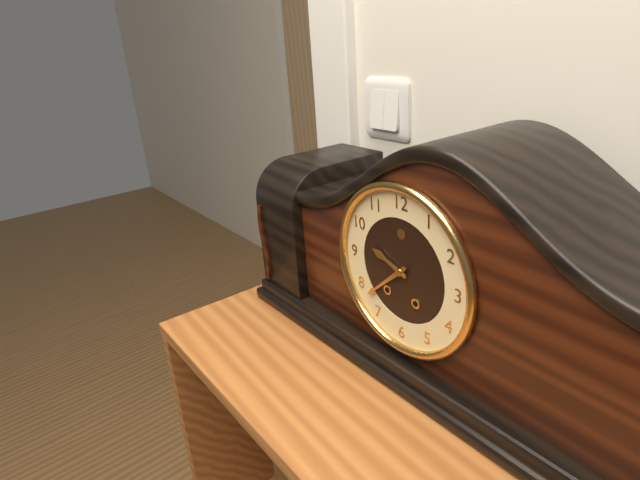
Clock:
9:38
